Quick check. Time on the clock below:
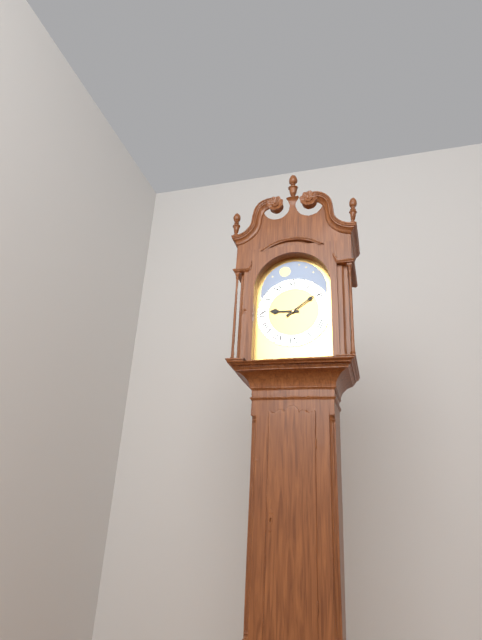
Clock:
9:09
